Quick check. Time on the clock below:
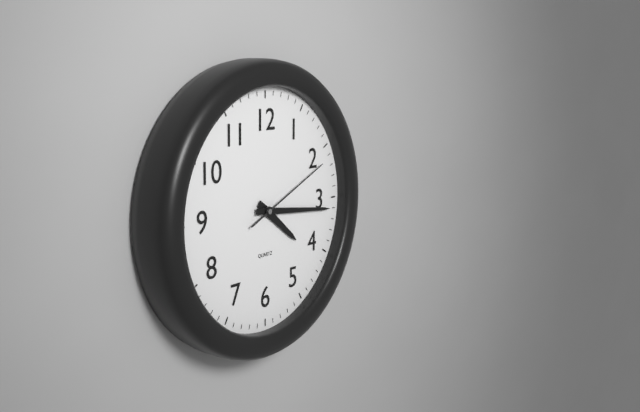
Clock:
4:16:11
